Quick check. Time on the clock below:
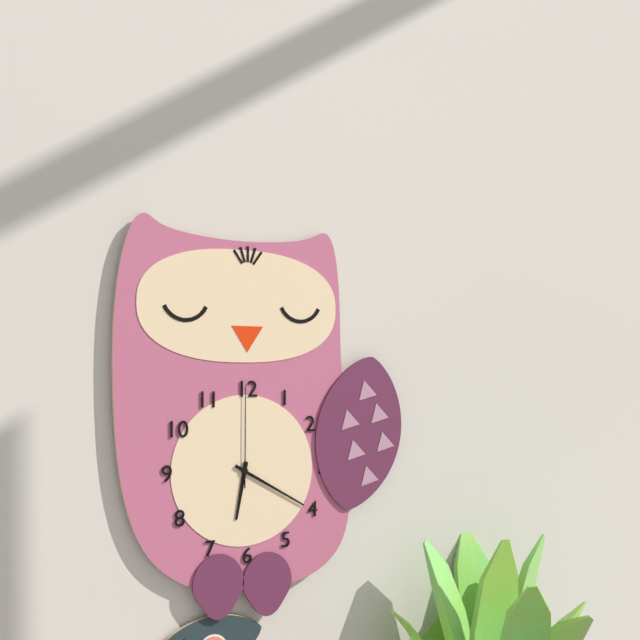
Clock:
6:20:00
